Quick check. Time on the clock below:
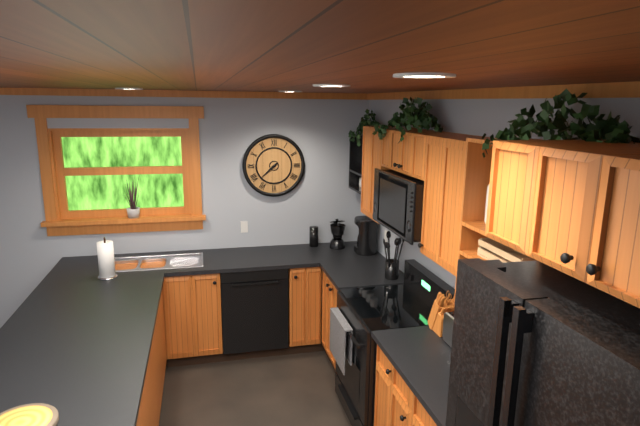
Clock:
7:38
